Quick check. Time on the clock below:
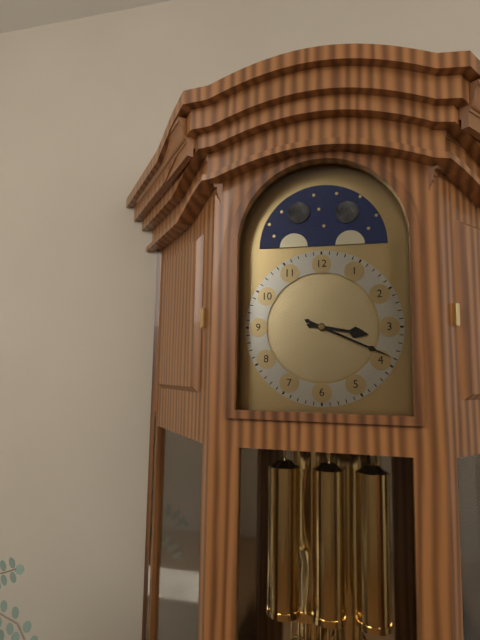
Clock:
3:19
